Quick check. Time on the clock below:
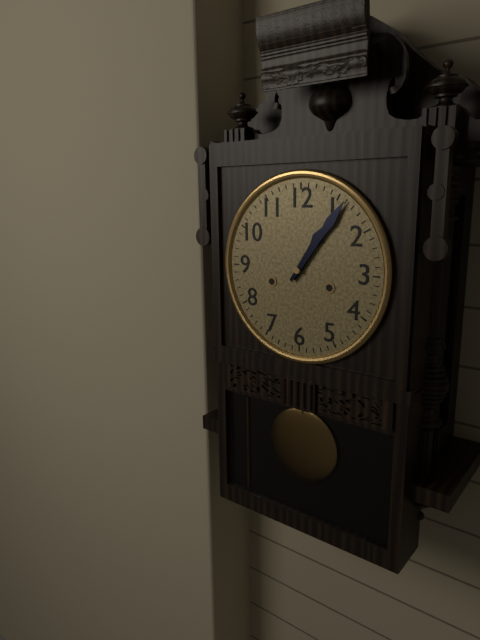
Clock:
1:06
